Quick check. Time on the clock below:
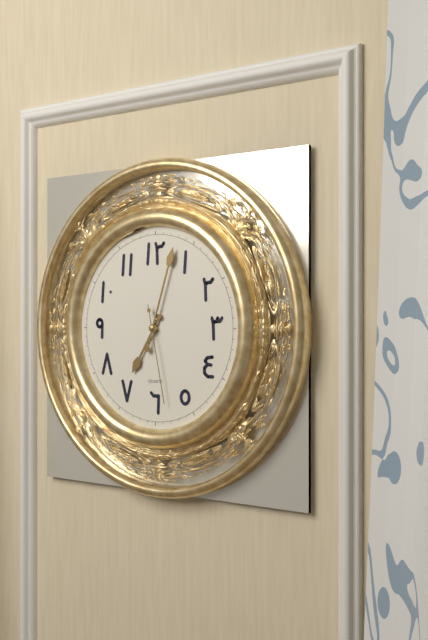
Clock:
7:03:28
